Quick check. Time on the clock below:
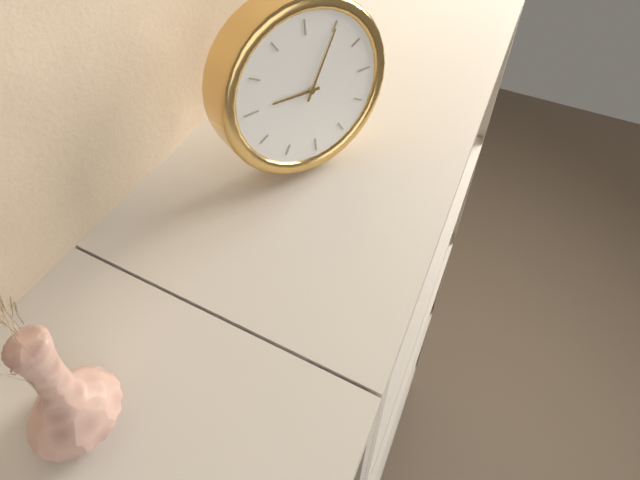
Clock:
9:05
